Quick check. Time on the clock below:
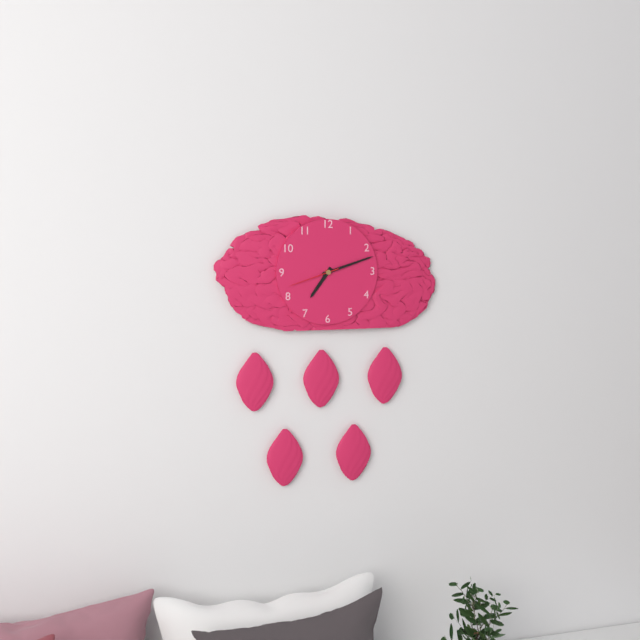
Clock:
7:12:42
